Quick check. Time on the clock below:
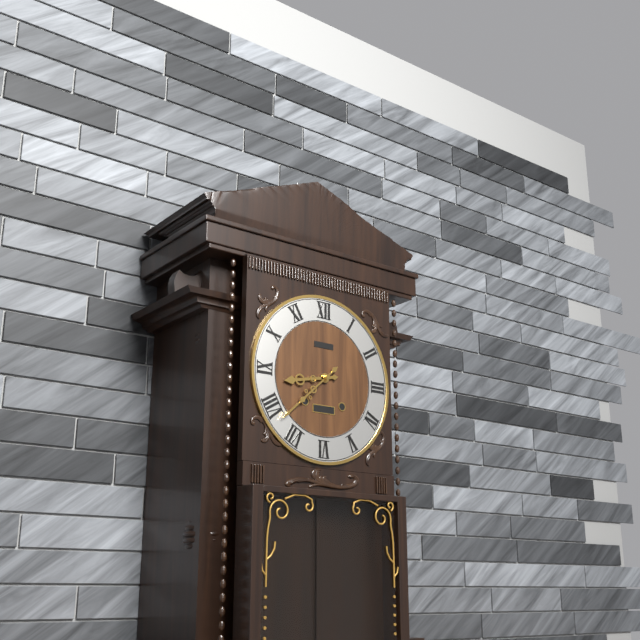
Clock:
8:38
